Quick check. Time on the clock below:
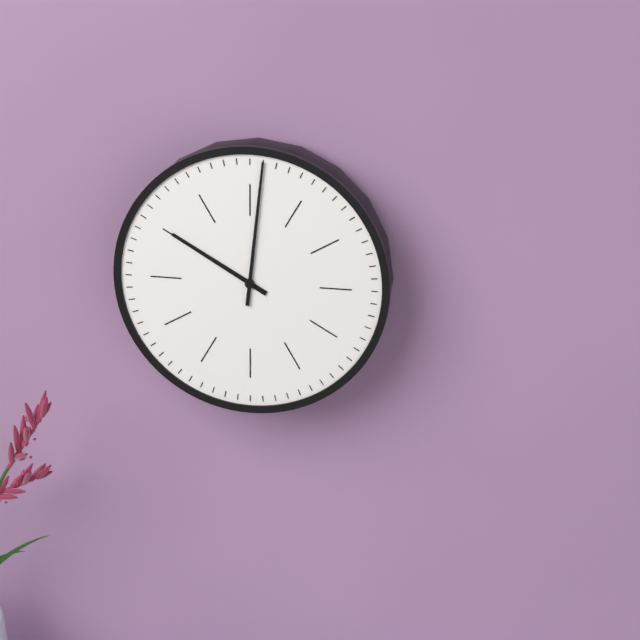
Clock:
10:01
